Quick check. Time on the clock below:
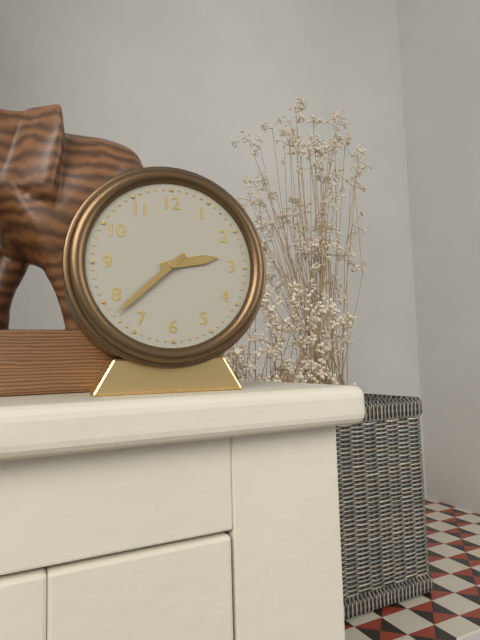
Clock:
2:38
